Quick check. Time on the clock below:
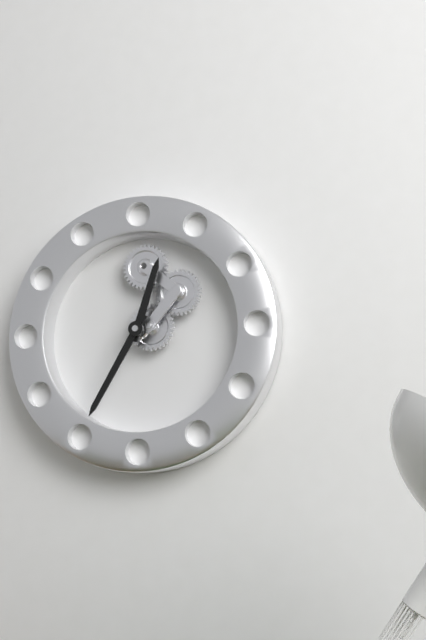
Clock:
12:35
